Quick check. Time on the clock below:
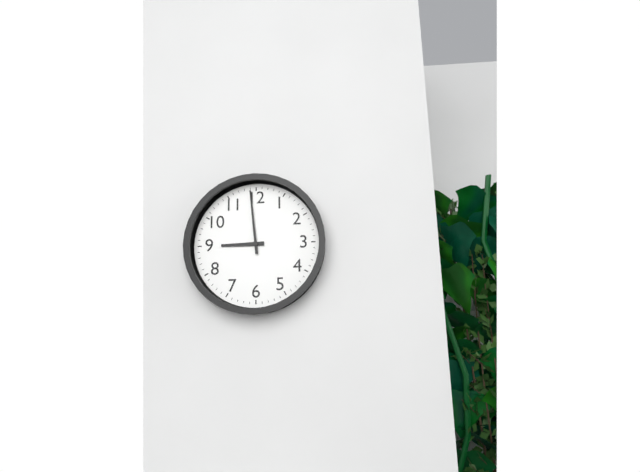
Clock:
8:59
